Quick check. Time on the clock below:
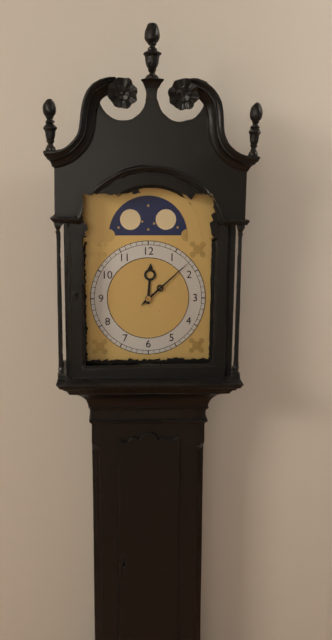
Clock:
12:08
